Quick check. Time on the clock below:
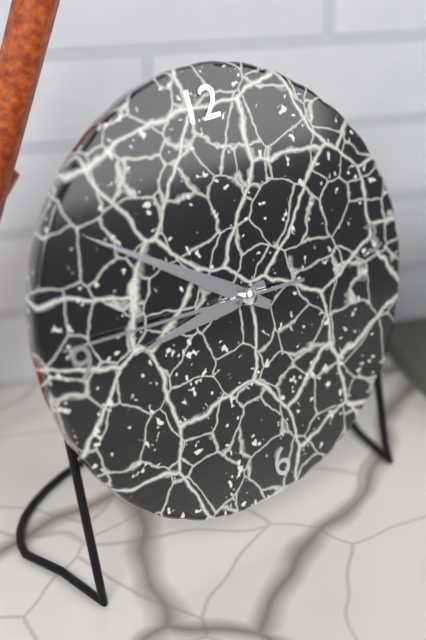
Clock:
8:51:46
